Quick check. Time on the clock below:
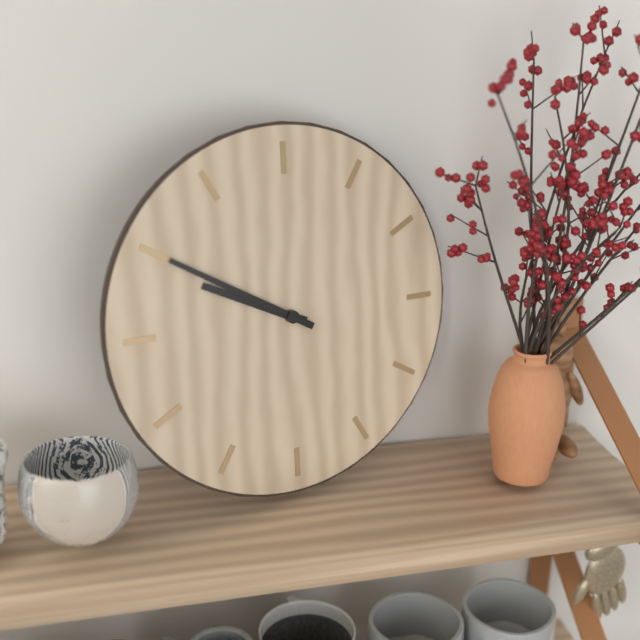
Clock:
9:50
